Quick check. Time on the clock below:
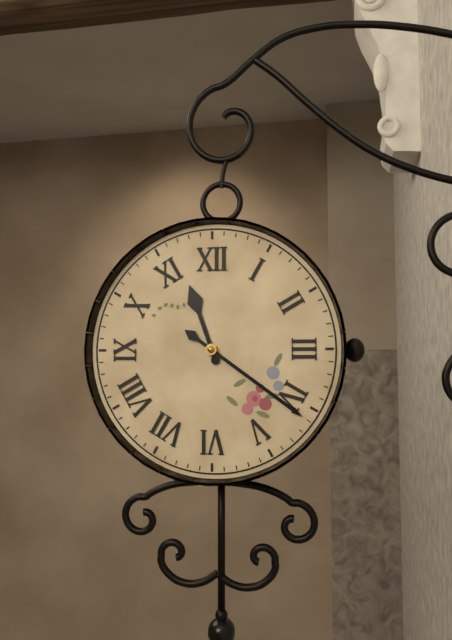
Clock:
11:21
